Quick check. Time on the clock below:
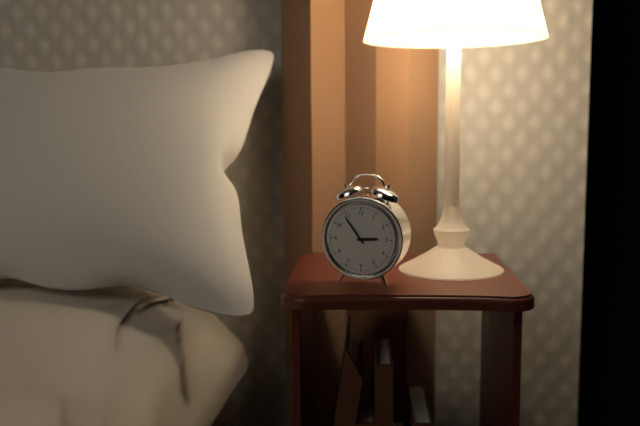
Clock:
2:54
